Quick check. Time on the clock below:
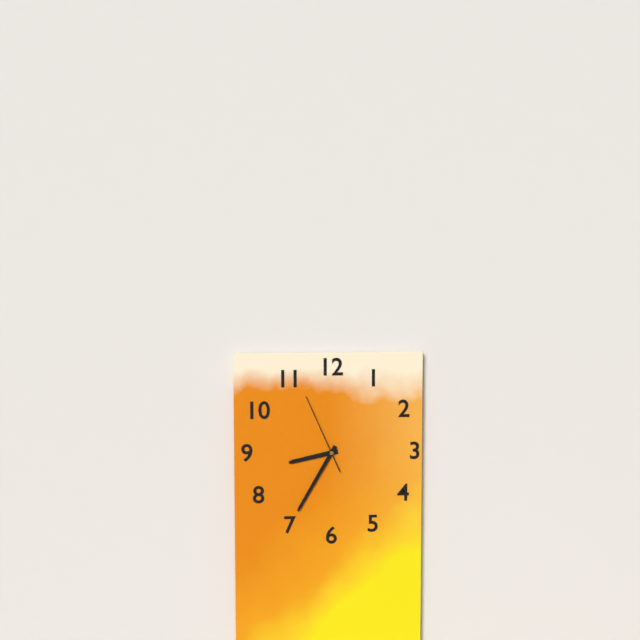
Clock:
8:35:56
